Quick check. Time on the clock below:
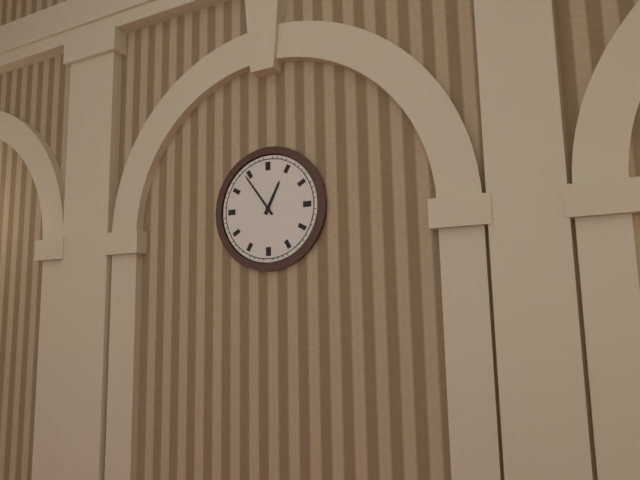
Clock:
12:54
